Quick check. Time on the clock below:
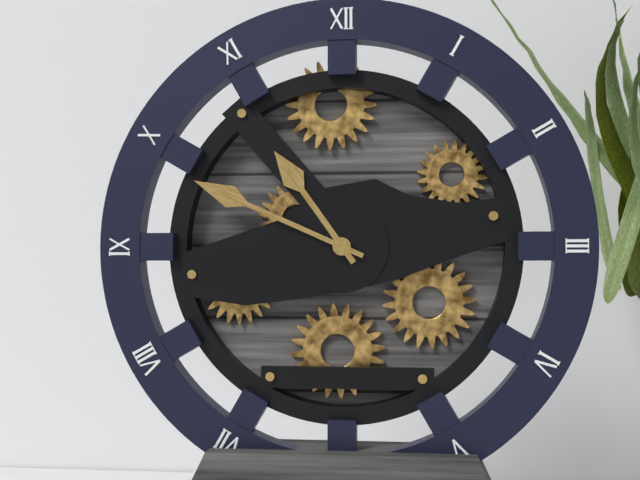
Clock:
10:49
